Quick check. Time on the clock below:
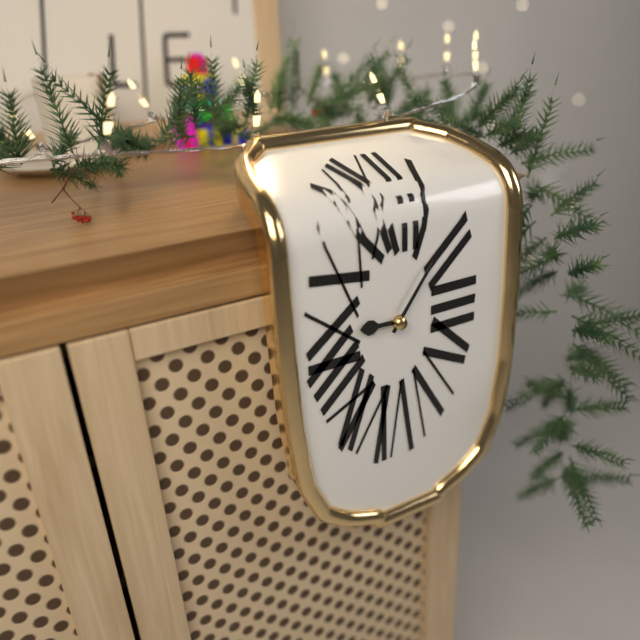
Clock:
9:06
